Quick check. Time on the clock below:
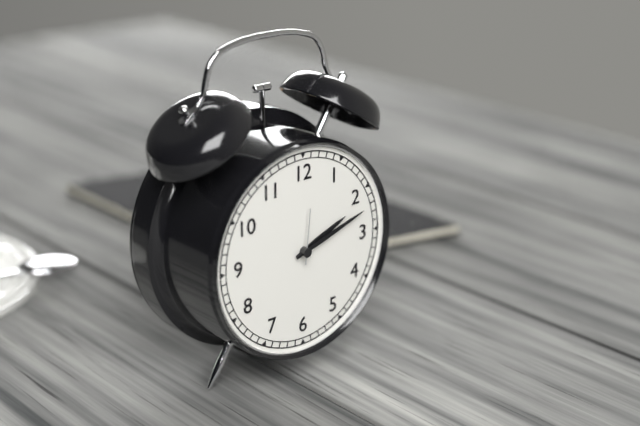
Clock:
2:12:01
